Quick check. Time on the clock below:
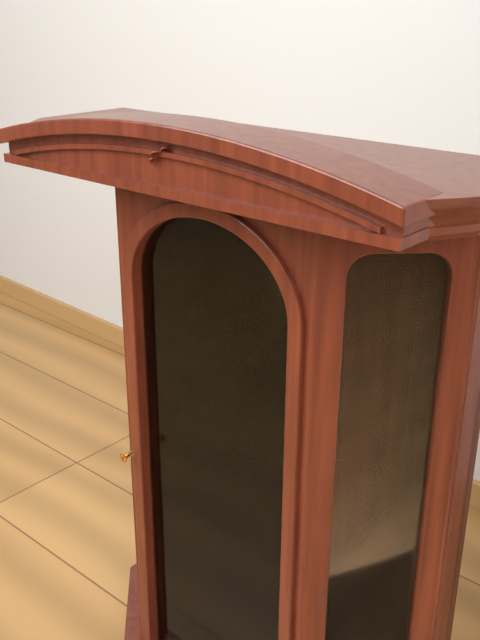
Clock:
1:16
